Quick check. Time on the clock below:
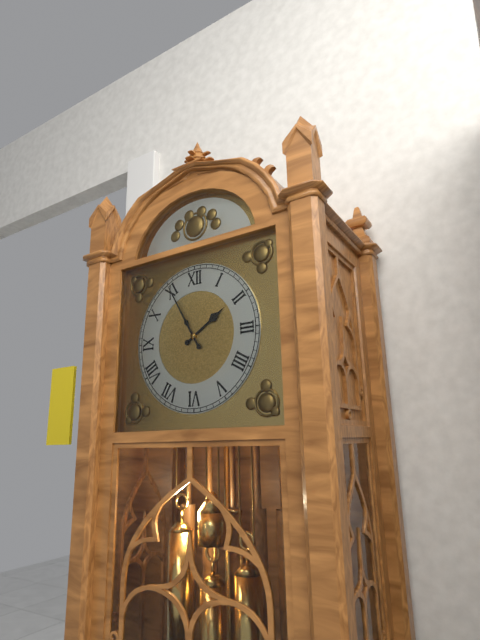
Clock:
1:55
